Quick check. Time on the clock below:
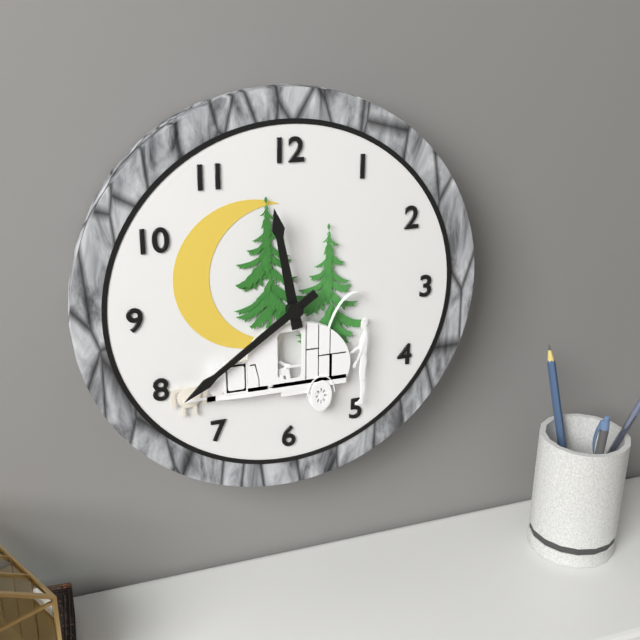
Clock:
11:39
